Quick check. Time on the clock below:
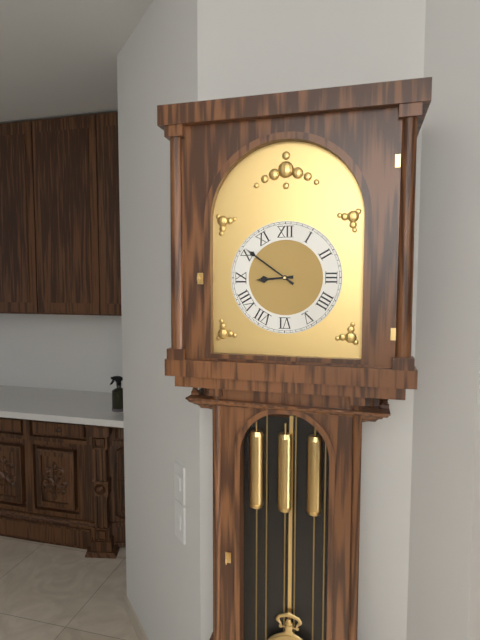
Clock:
8:51
